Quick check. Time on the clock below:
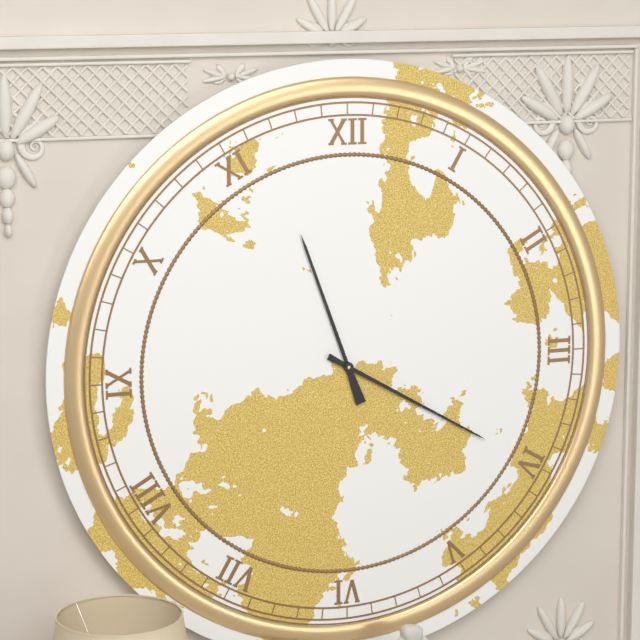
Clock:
11:20
